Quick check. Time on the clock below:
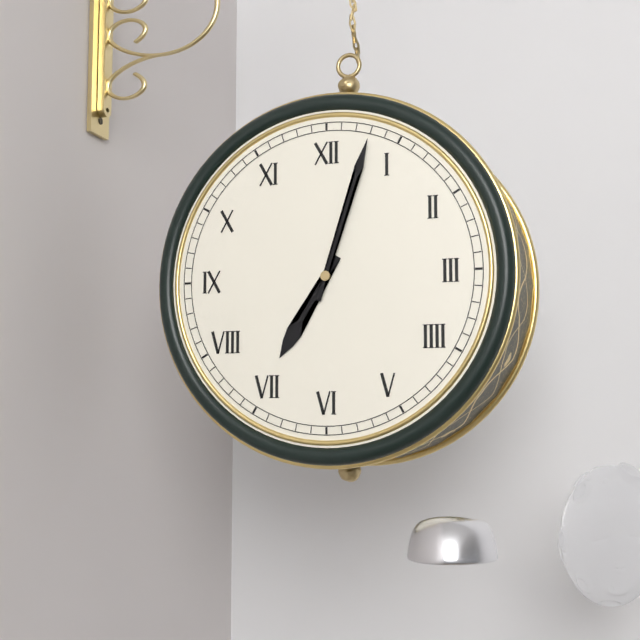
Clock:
7:03
